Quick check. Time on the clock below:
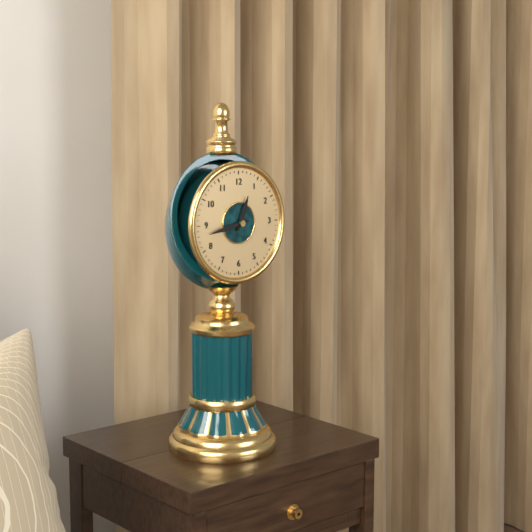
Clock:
12:43
